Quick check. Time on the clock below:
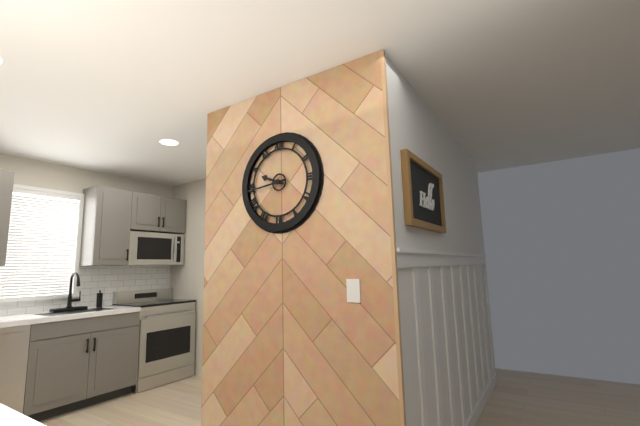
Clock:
9:44
